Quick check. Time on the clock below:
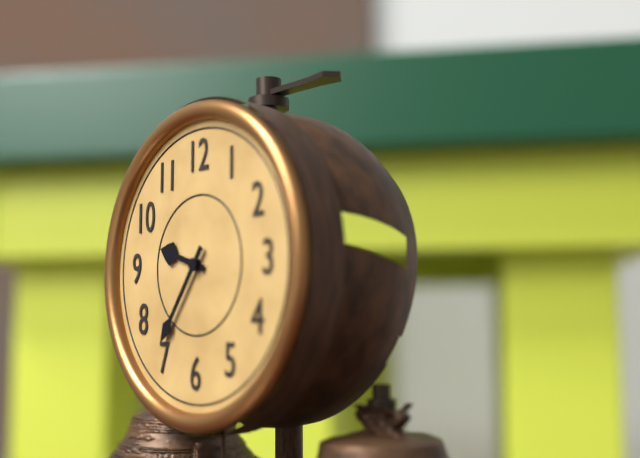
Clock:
9:36
